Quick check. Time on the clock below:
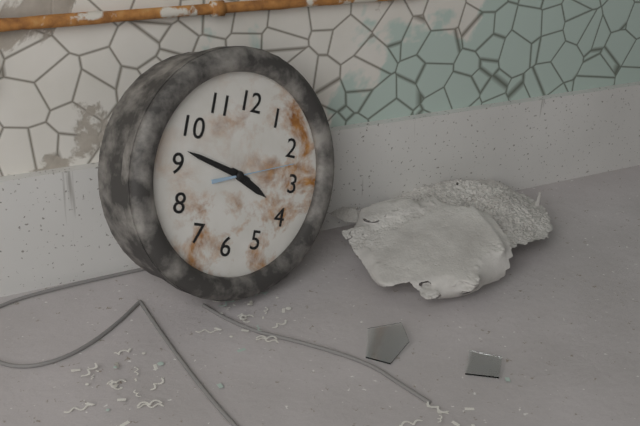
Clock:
3:47:12
